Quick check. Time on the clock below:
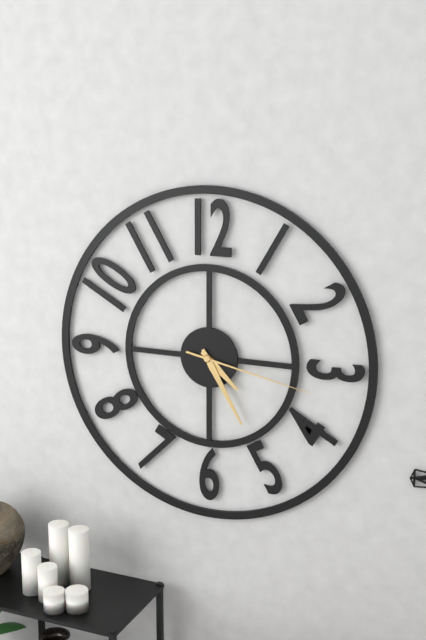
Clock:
4:25:17
